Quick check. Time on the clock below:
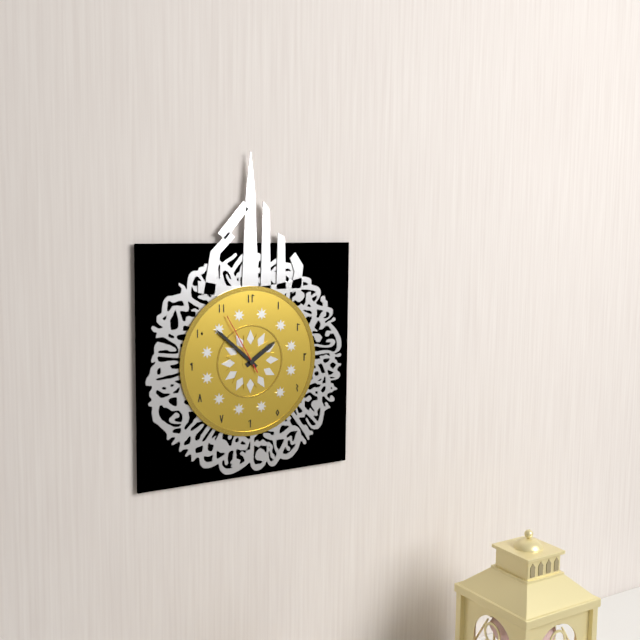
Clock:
1:52:55
